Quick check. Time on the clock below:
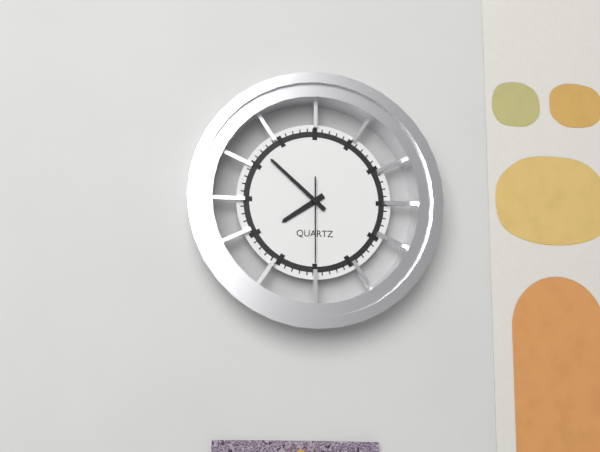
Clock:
7:52:30
